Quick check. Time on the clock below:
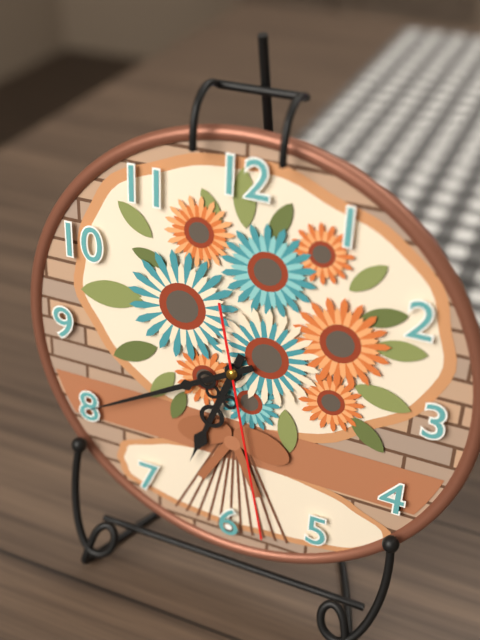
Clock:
6:40:28
